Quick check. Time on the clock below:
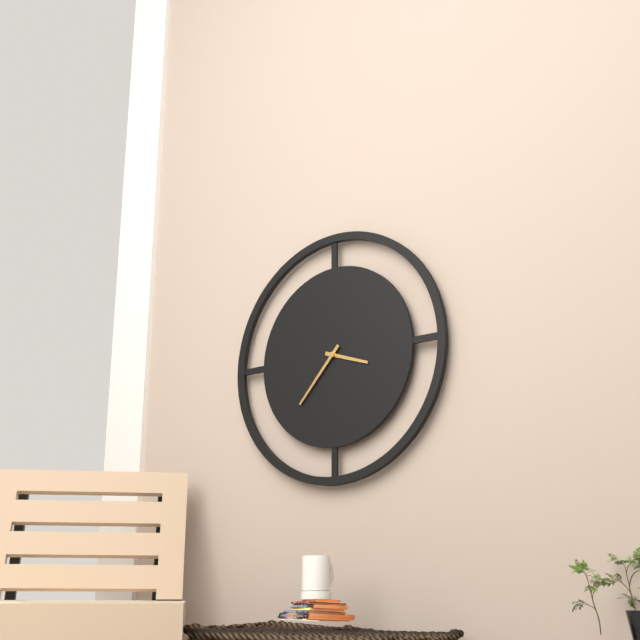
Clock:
3:37
